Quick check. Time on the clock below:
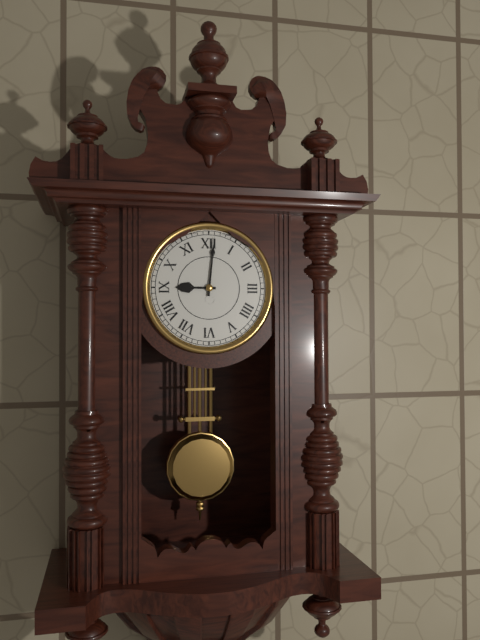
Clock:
9:01
